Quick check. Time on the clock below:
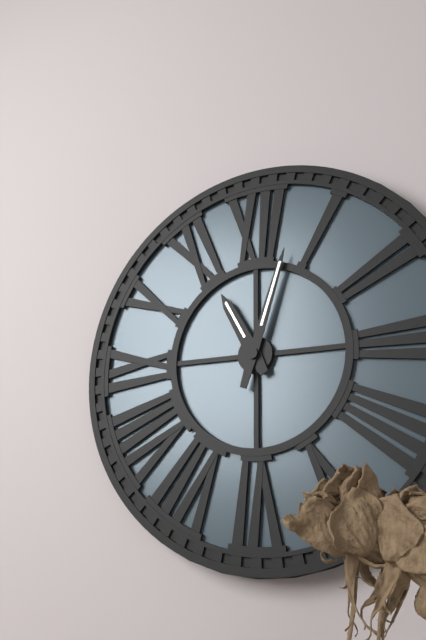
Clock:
11:03
